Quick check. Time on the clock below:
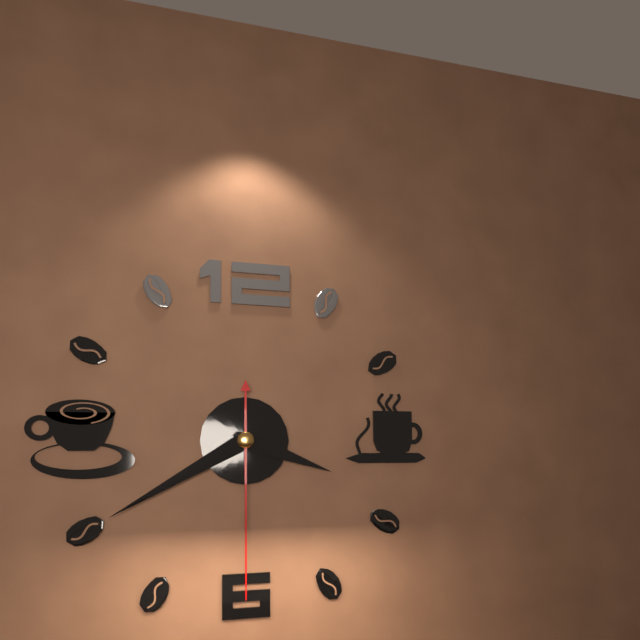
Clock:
3:40:30
